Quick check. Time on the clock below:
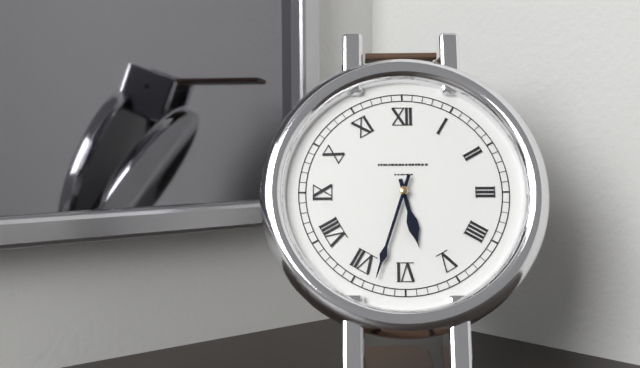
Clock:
5:33
